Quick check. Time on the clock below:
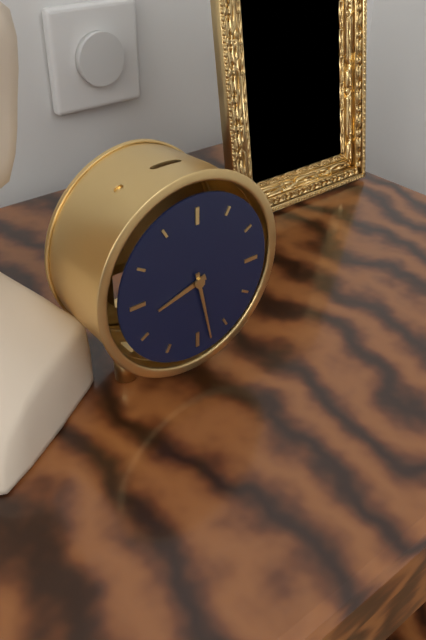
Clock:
8:28
